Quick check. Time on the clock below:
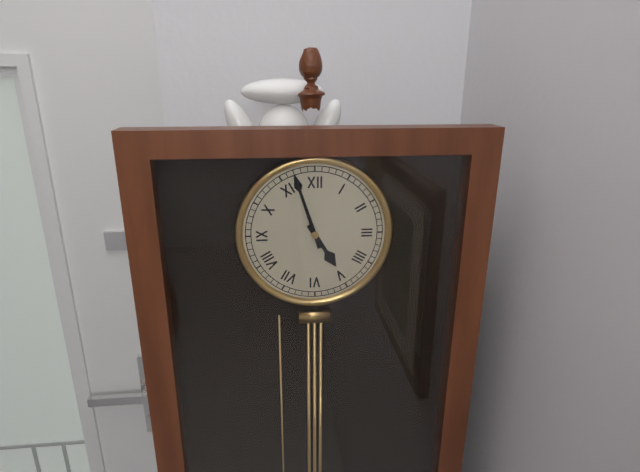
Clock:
4:57
